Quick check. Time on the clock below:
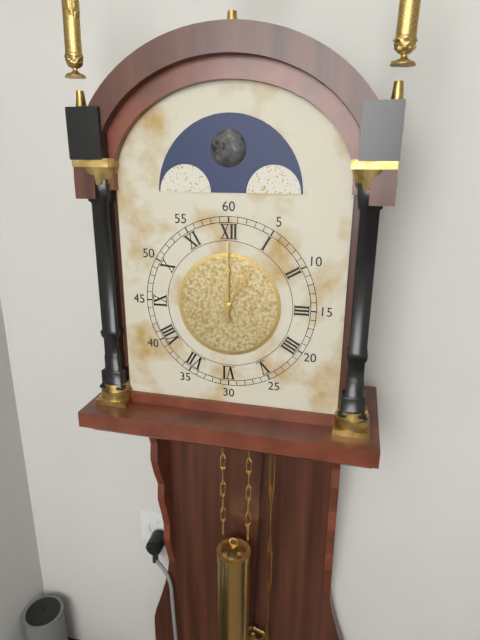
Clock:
1:00
